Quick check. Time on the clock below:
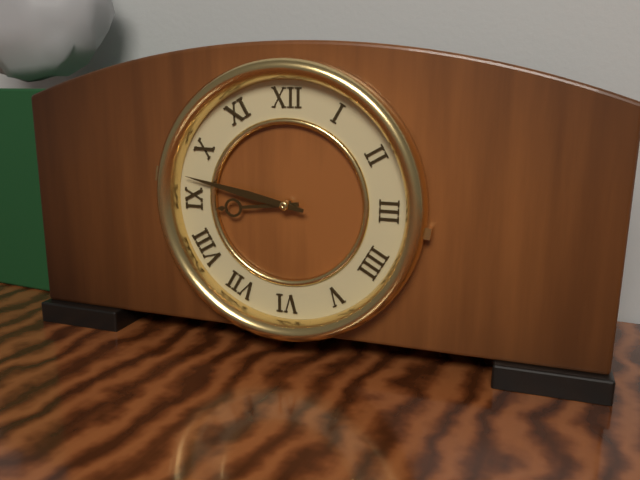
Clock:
8:47
